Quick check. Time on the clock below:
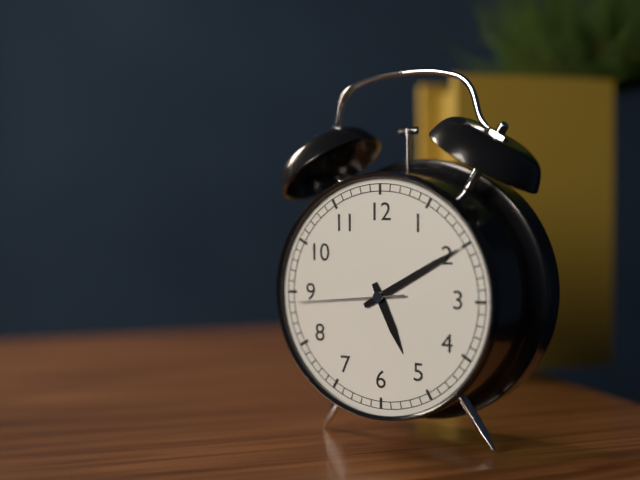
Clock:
5:10:44
